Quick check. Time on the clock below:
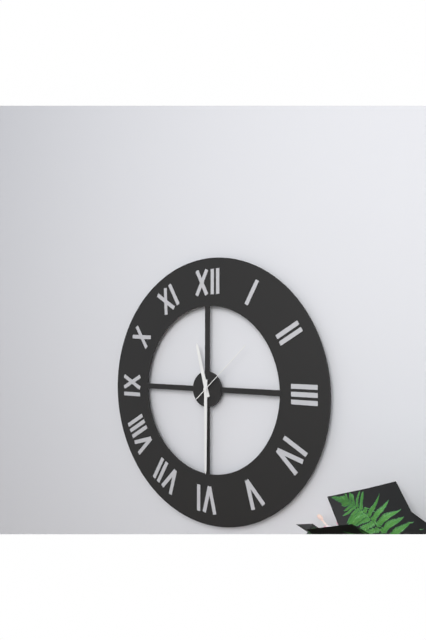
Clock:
11:30:08
